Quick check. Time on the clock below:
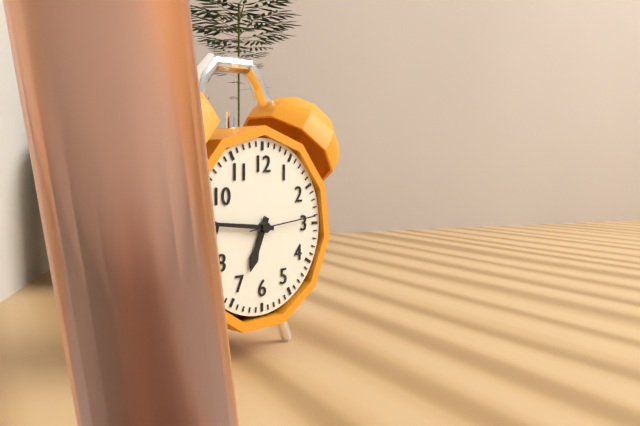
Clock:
6:46:14
